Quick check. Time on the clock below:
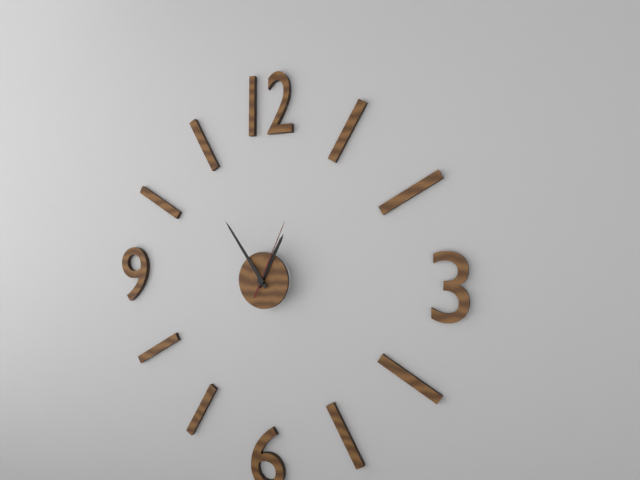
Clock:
12:54:04
